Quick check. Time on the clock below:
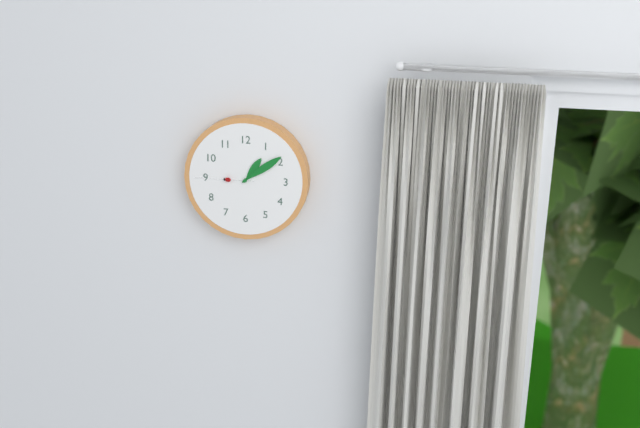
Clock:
1:09:45
